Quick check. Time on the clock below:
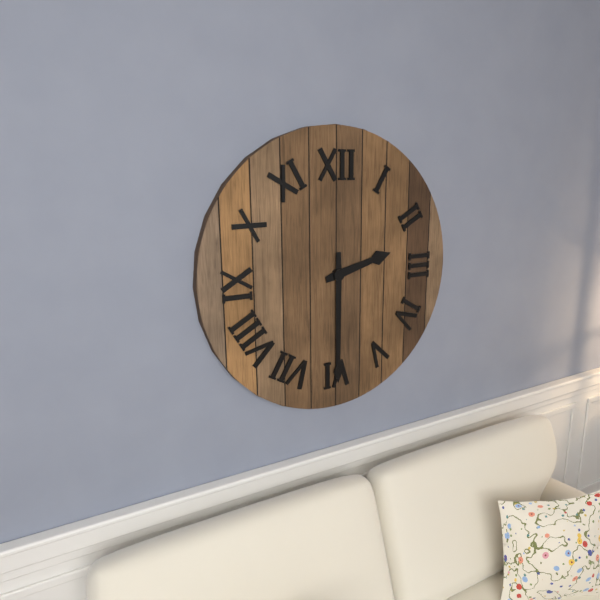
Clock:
2:30
